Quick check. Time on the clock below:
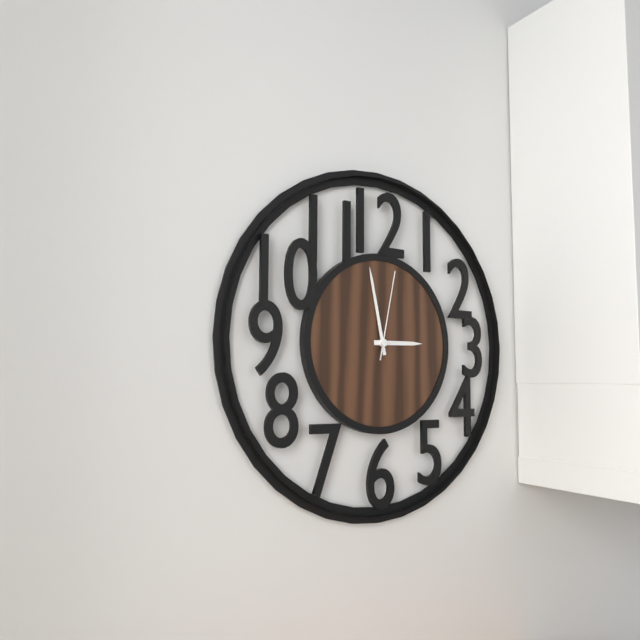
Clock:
2:58:02
